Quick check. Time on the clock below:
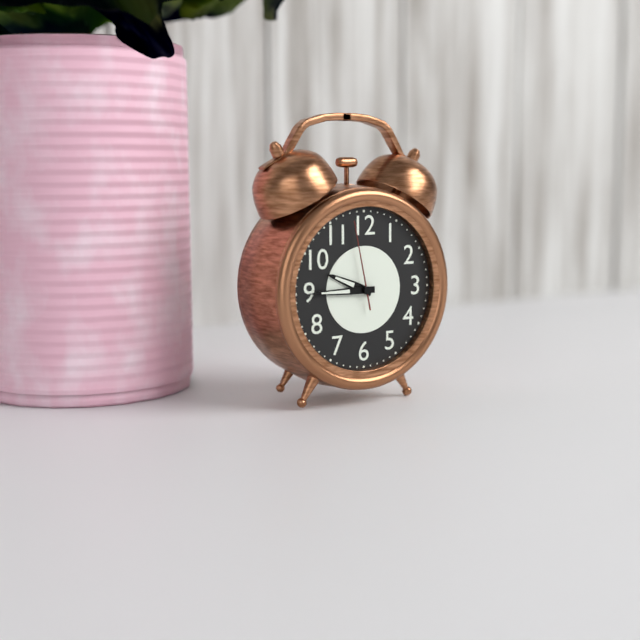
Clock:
9:45:58
